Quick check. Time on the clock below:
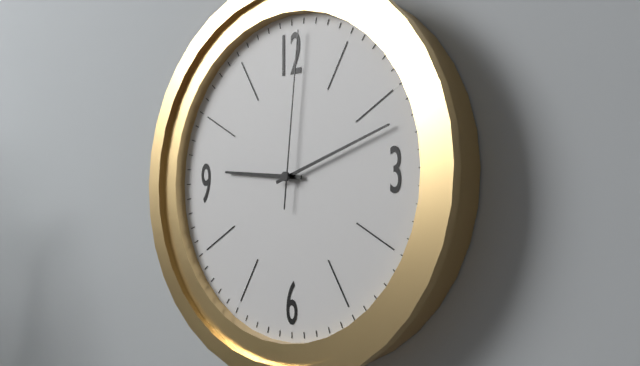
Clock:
9:12:01
